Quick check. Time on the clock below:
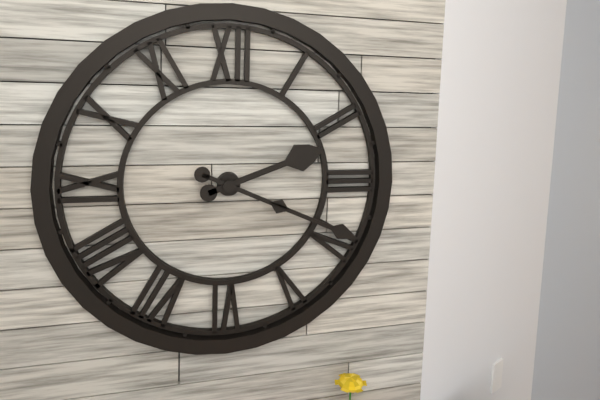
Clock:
2:19
